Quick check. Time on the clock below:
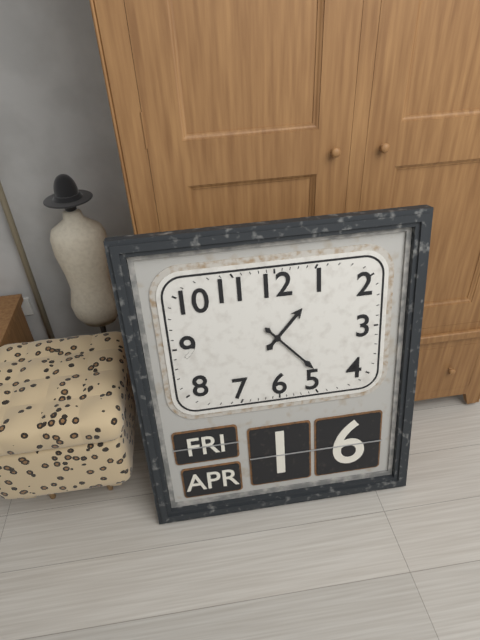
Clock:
1:23
